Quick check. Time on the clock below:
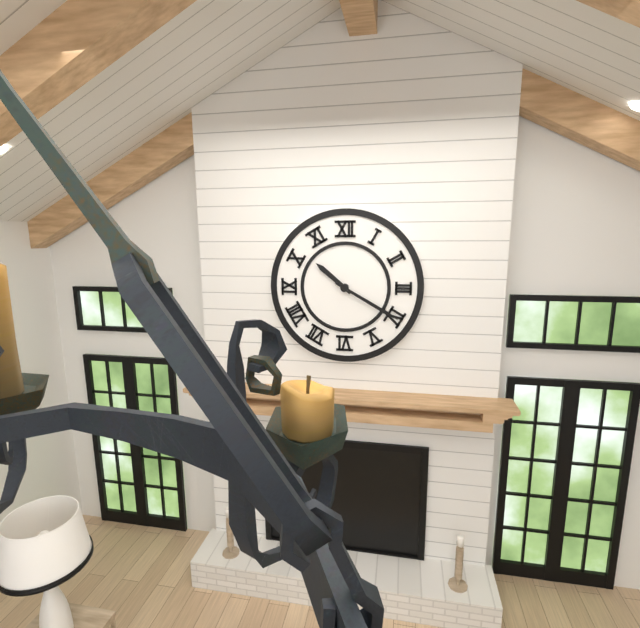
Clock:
10:20
